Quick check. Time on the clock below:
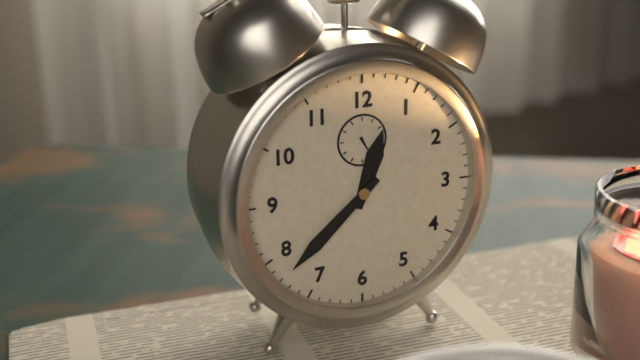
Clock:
12:38
